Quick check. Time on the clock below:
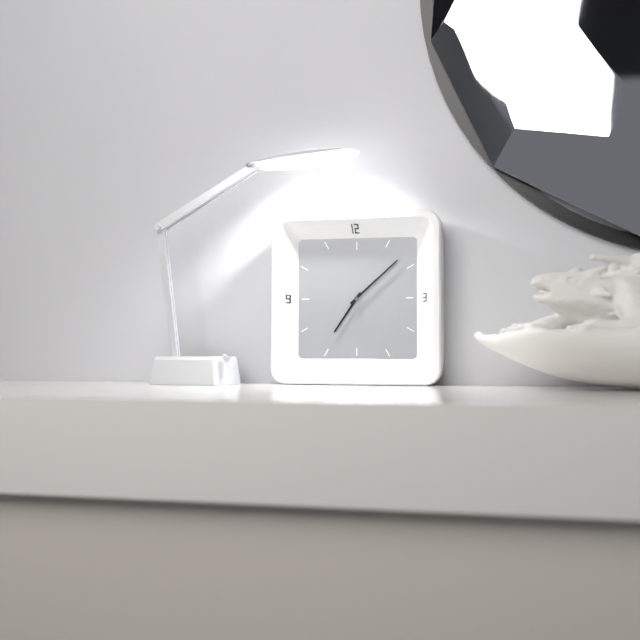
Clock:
7:08
